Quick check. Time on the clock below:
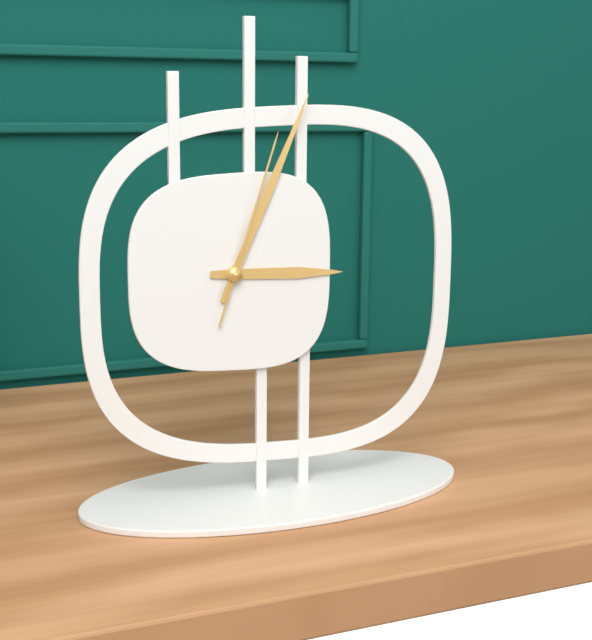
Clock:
3:04:03
